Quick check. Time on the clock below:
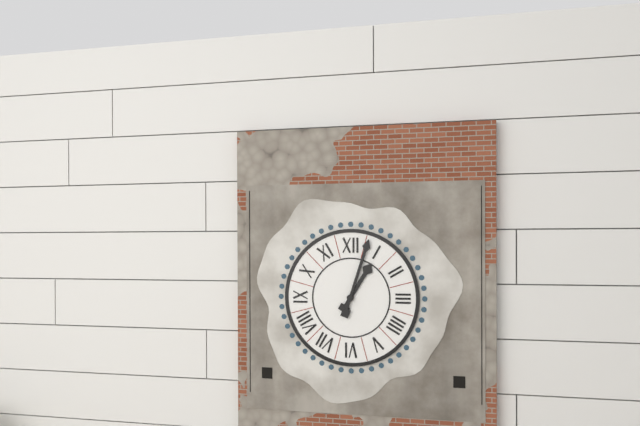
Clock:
1:03
